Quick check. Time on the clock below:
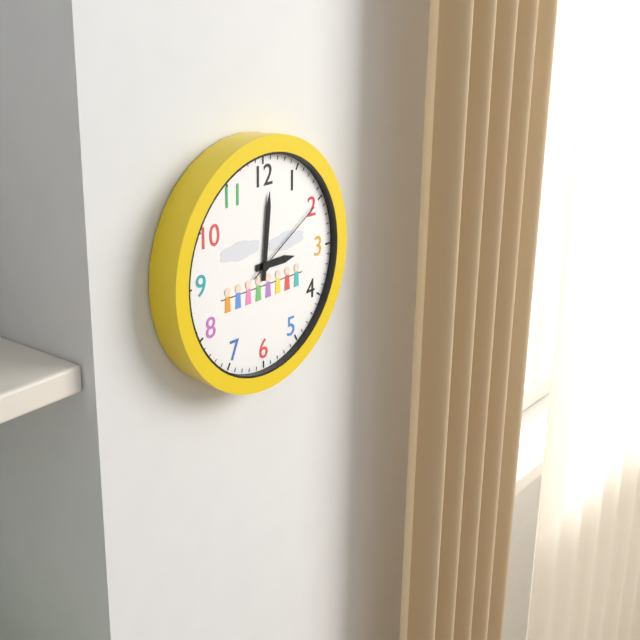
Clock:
3:01:10
